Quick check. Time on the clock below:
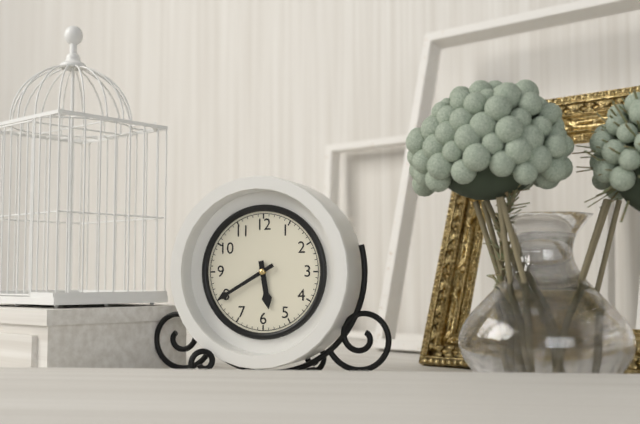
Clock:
5:40
